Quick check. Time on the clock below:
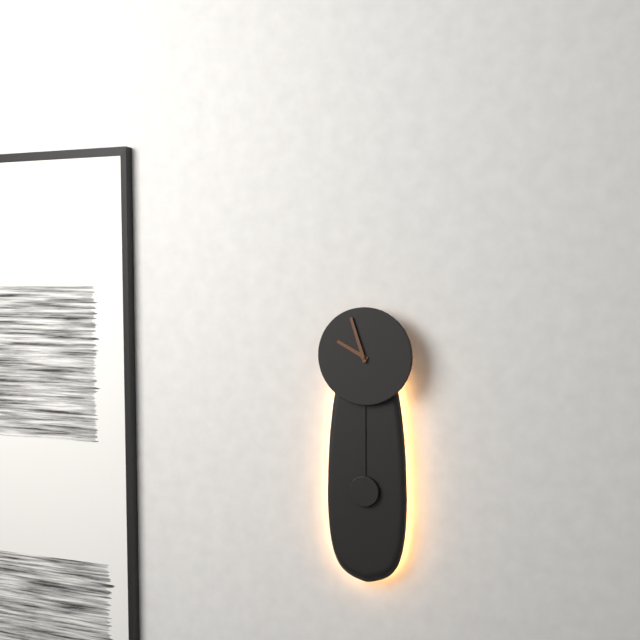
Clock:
9:57
